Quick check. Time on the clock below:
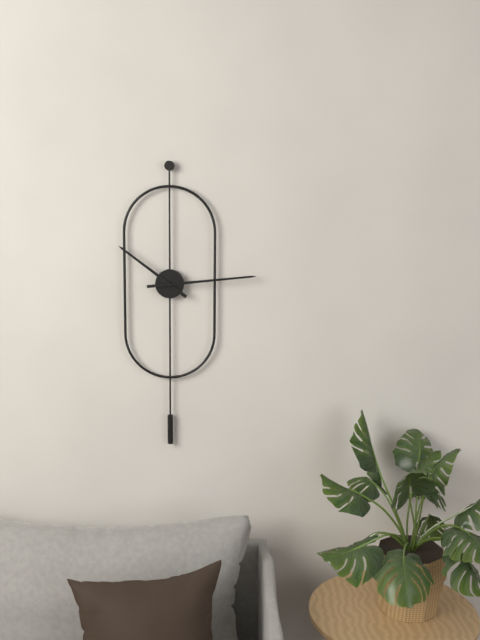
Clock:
10:14
